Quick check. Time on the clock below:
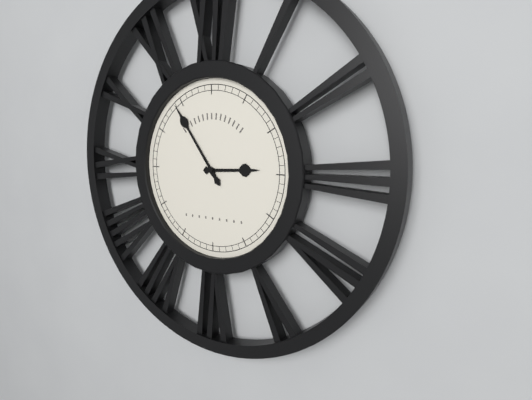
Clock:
2:54
